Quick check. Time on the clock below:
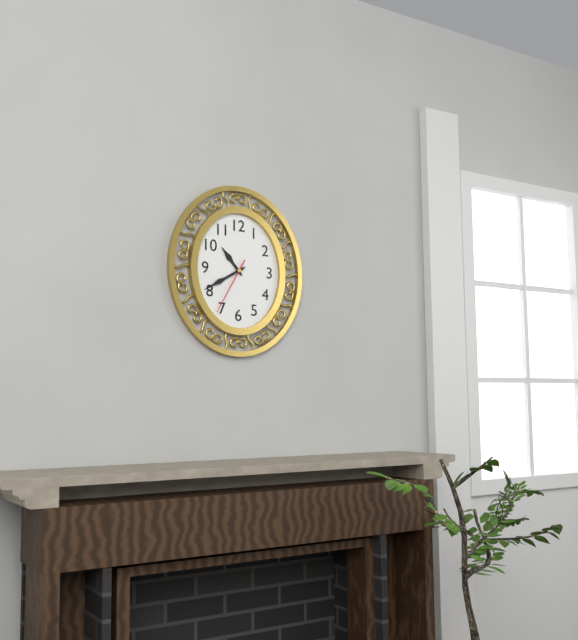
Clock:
10:40:35
